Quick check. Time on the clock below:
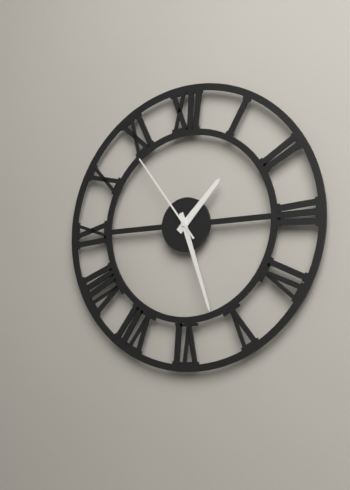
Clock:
1:27:54
